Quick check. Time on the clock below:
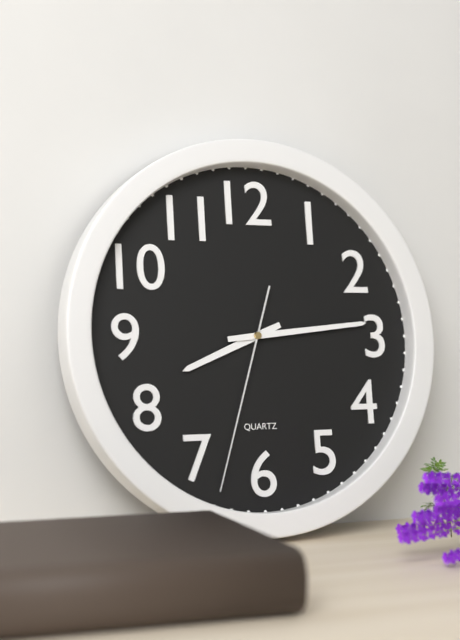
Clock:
8:14:33
